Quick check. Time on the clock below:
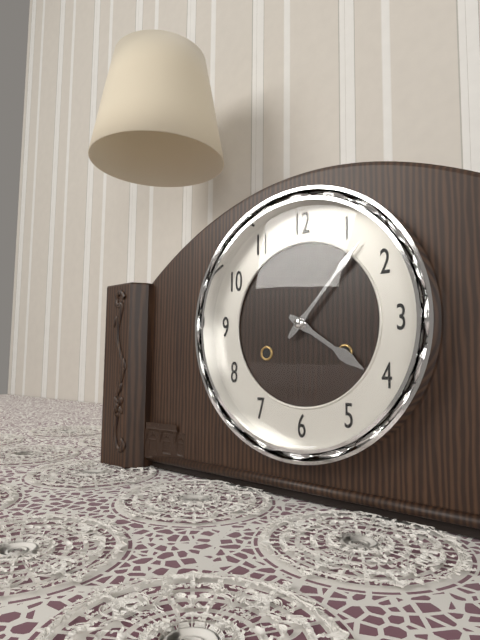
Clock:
4:07
